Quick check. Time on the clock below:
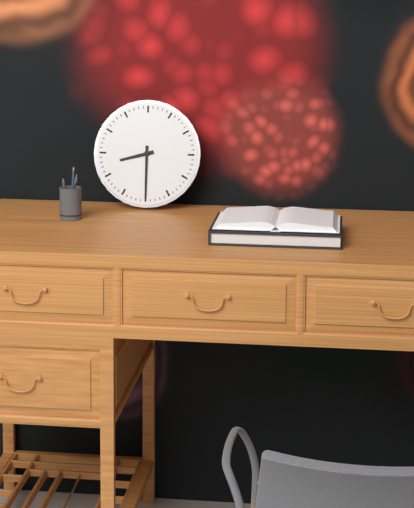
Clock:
8:30
